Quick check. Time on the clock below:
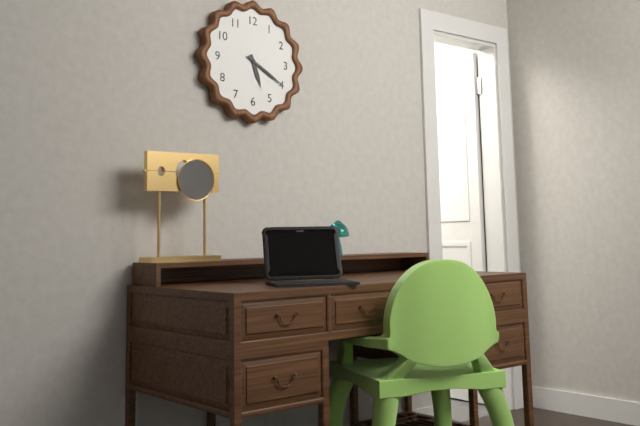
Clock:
5:20
